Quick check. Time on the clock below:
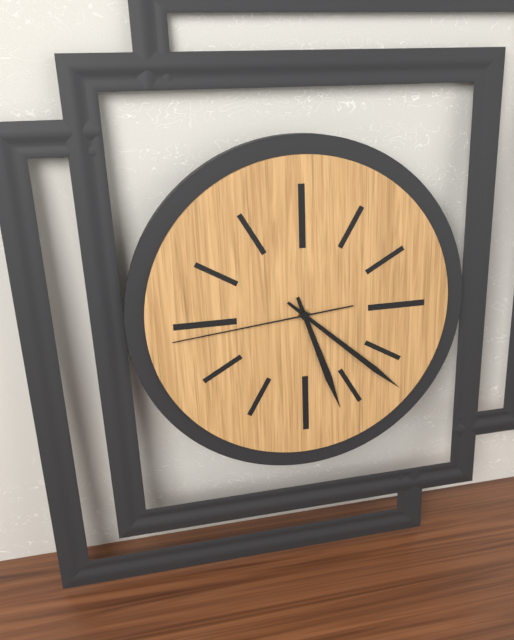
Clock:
5:22:44
